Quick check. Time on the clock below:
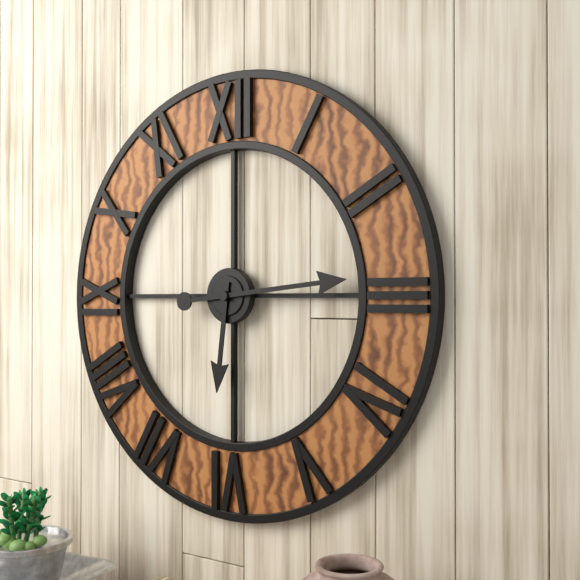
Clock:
6:14
